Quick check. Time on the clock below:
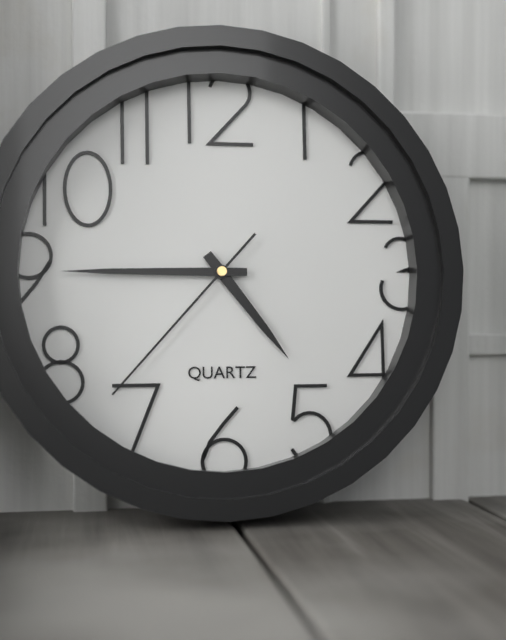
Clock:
4:45:37
